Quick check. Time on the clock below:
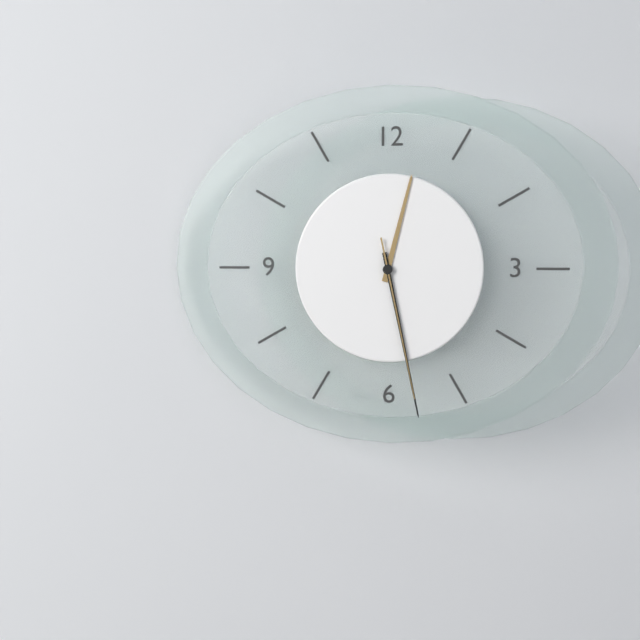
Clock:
12:28:28
